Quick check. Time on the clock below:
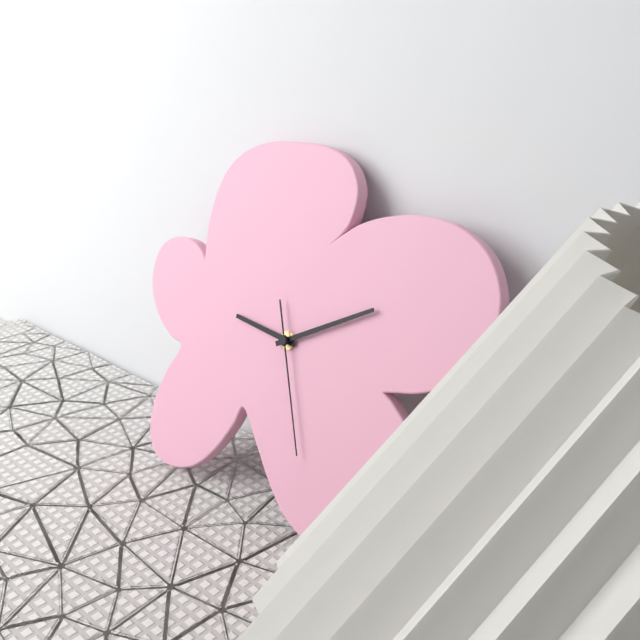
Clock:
9:10:26
